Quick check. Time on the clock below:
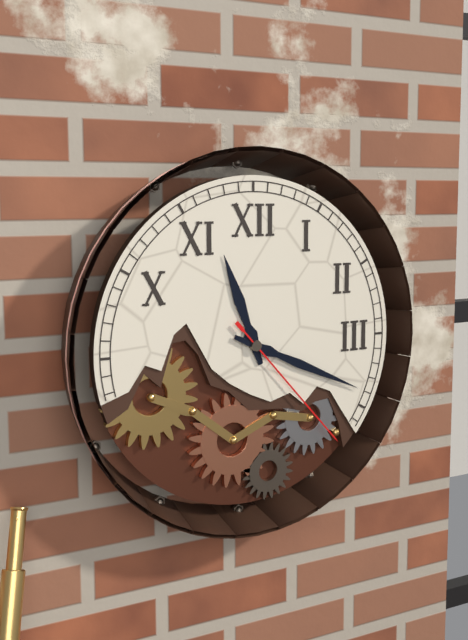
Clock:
11:19:23
